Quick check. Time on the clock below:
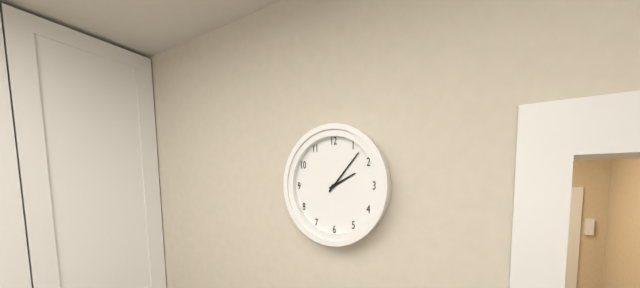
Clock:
2:07
